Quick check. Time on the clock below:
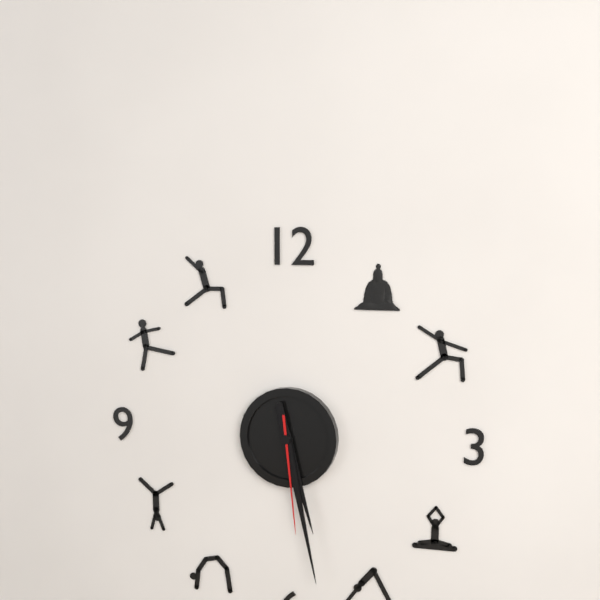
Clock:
5:28:29
